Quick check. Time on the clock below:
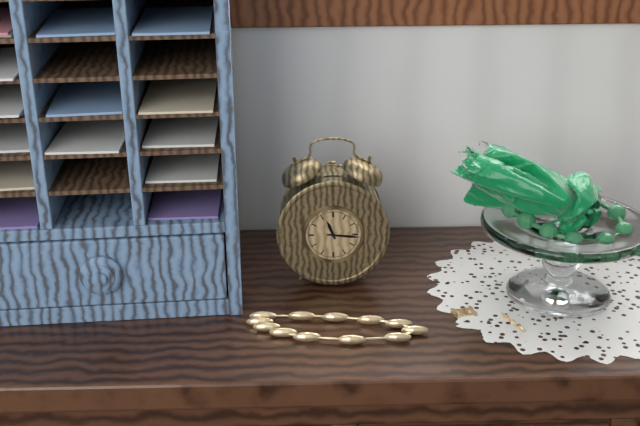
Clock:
11:16
